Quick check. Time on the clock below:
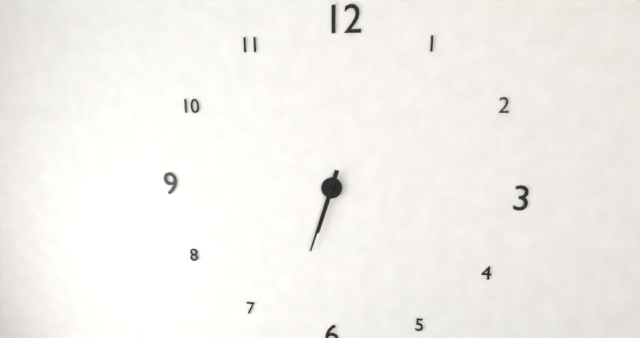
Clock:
6:33
